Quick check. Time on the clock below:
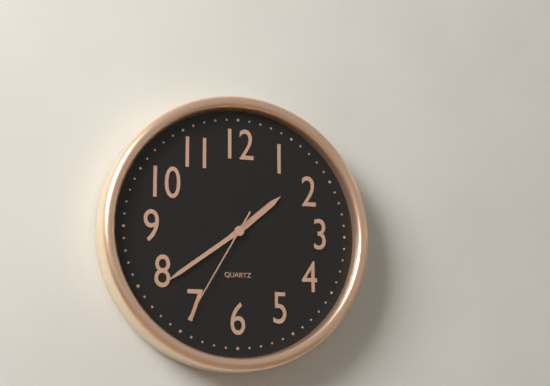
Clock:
1:39:35
